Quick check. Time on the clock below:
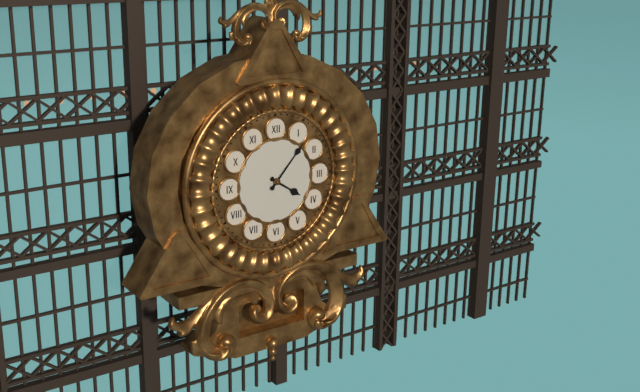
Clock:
4:07
